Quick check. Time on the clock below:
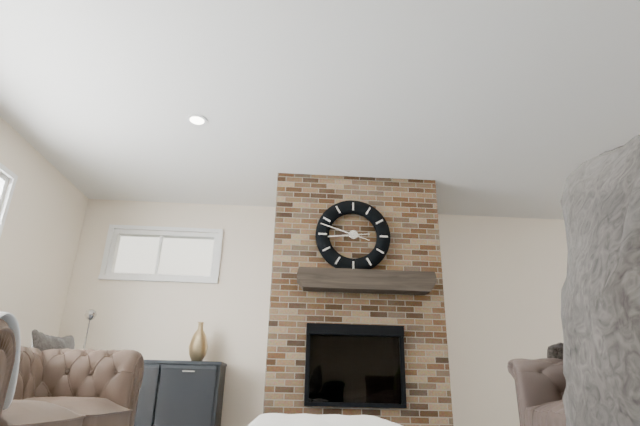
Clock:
8:48
